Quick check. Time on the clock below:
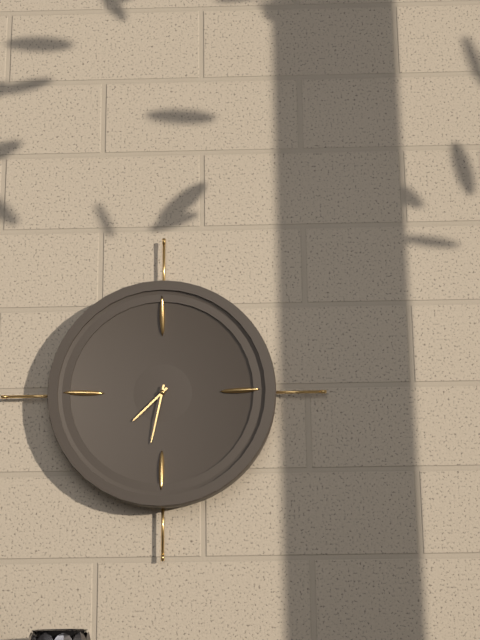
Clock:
7:32
